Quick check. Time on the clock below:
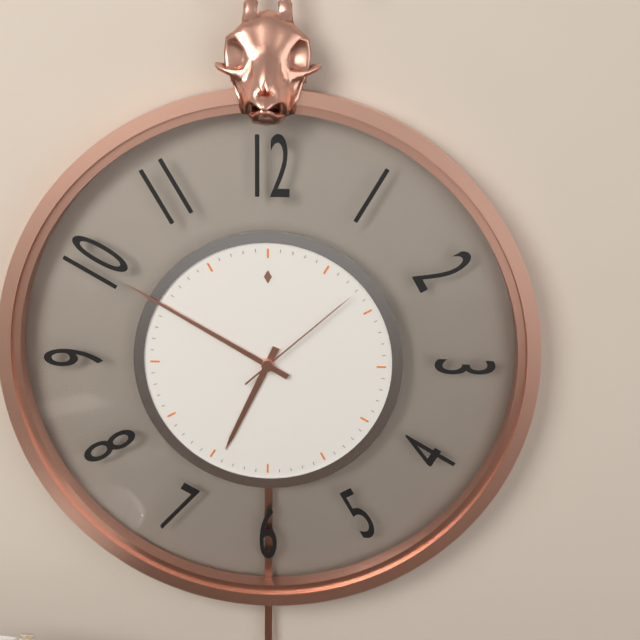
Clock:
6:50:08
